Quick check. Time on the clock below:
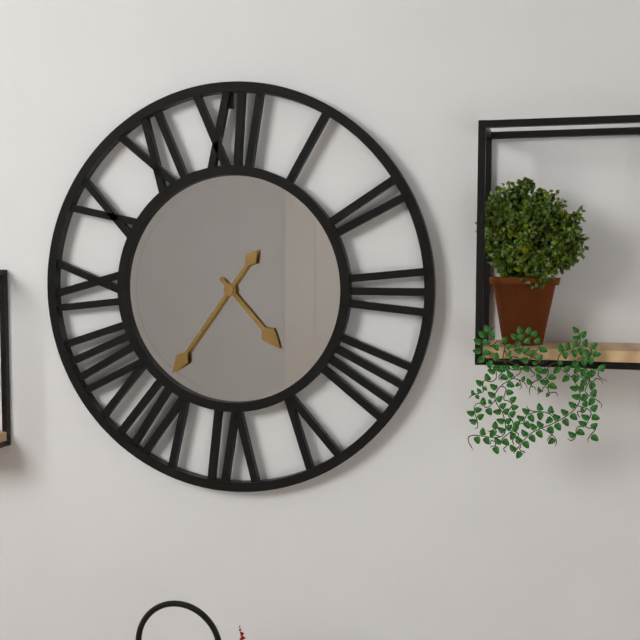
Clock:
4:36
